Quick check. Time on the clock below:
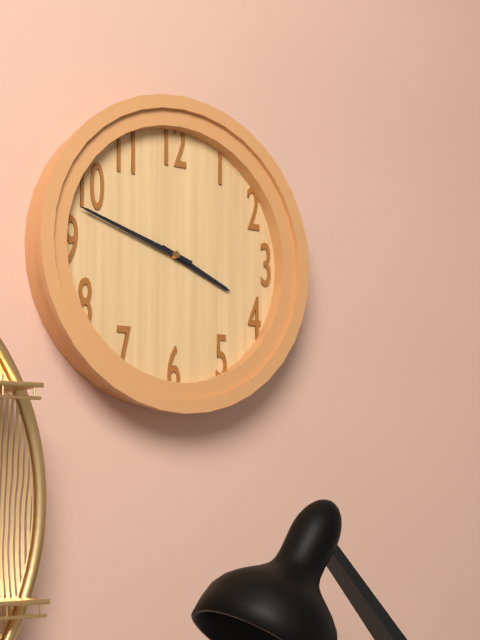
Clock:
3:48
